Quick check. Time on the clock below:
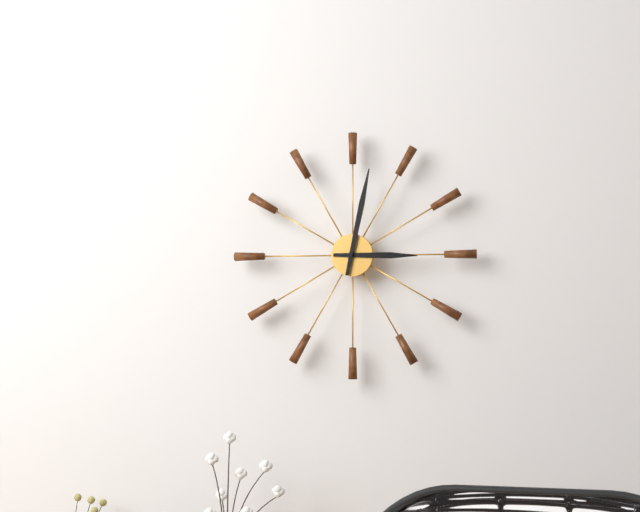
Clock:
3:02
